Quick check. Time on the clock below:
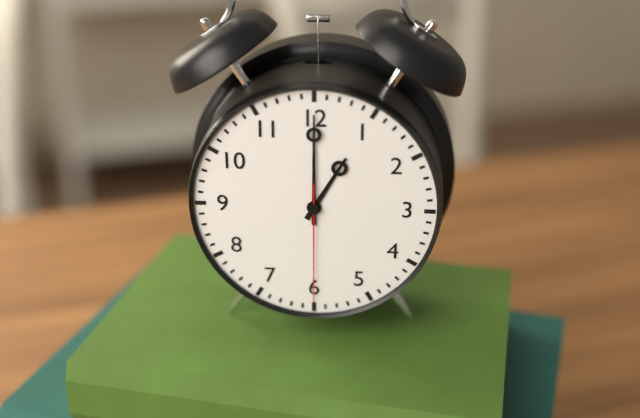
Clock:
1:00:30
